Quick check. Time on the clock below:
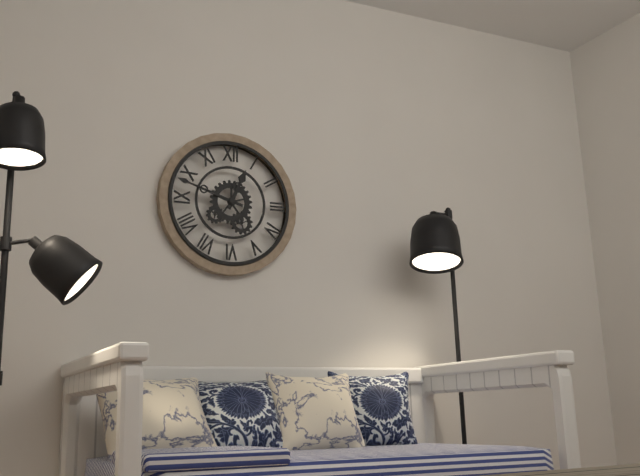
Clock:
12:48
